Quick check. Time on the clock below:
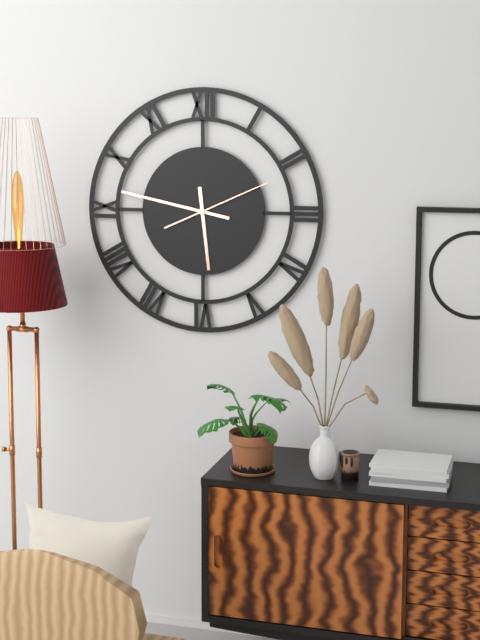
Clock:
5:47:11
